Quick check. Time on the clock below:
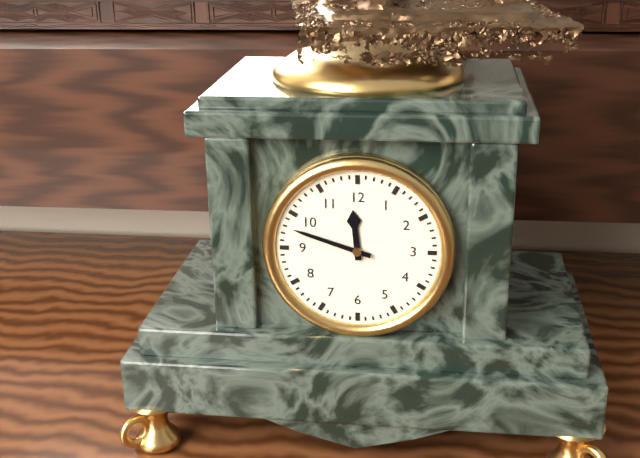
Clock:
11:48
